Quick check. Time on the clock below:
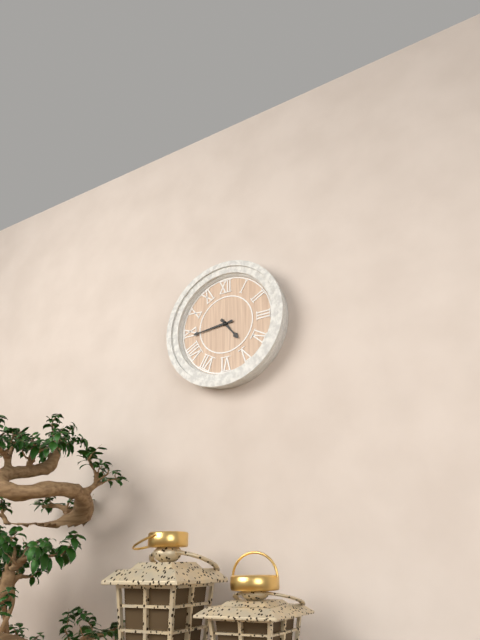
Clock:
4:44
